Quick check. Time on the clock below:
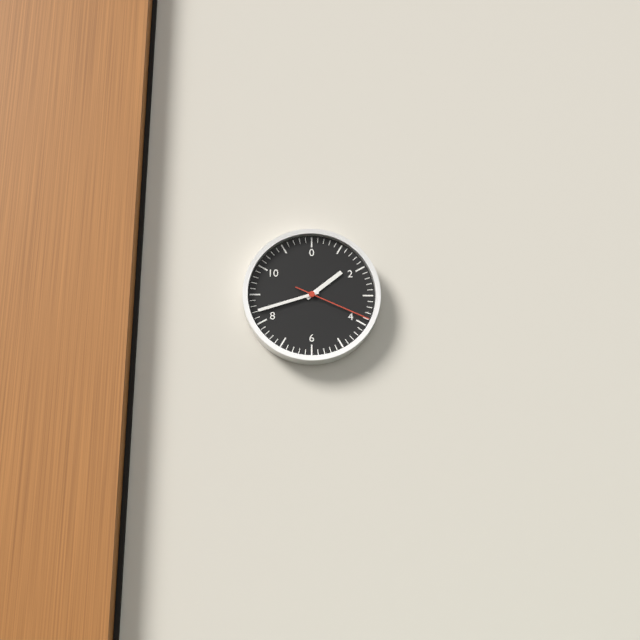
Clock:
1:42:19
